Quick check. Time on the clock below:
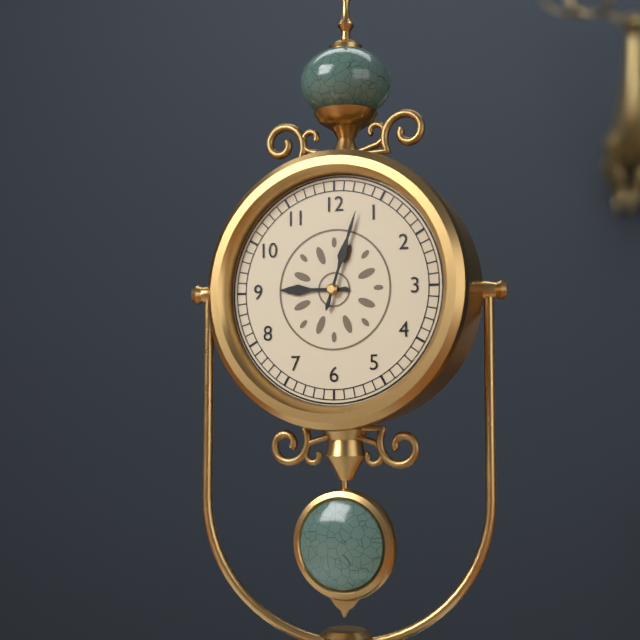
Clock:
9:03
